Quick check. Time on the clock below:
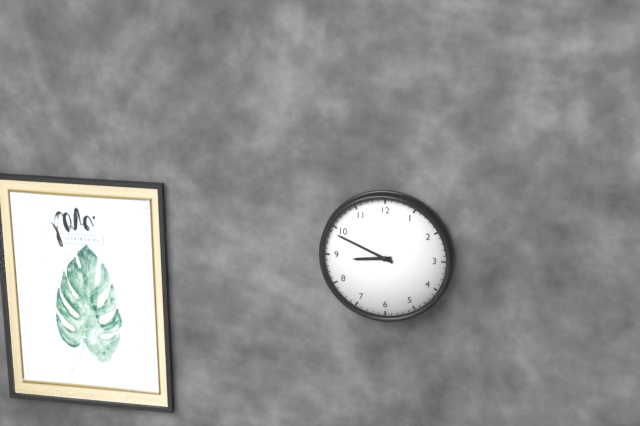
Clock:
8:49
